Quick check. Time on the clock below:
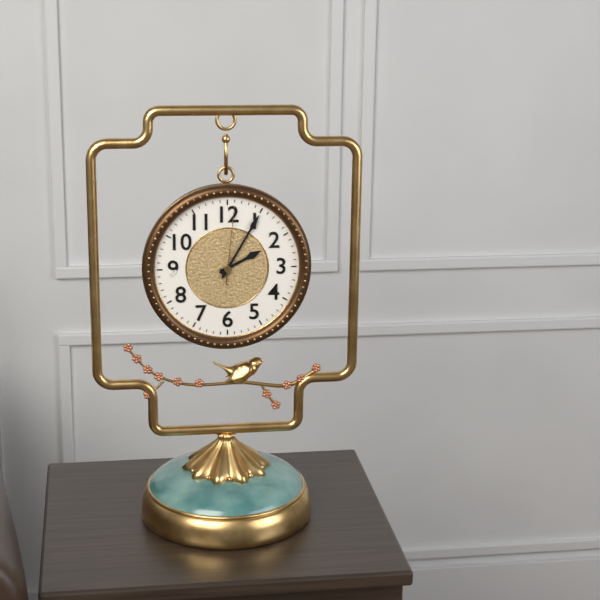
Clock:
2:05:01
